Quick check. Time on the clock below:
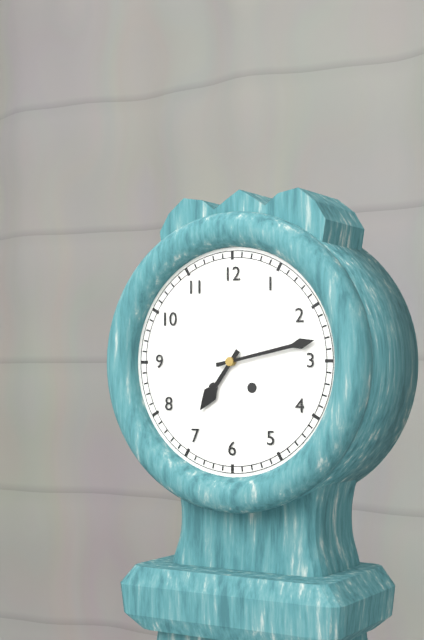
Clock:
7:13
